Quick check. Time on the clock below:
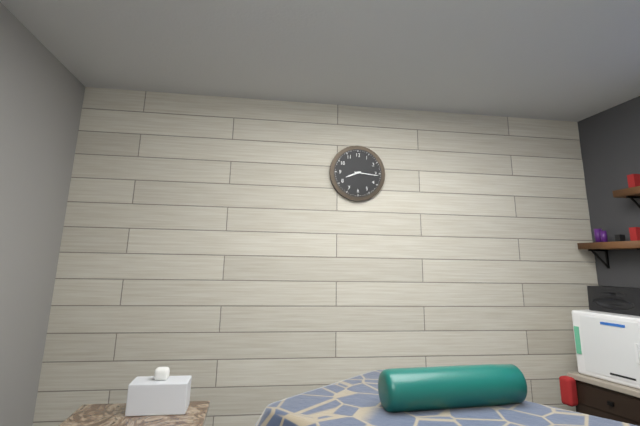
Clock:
8:16
